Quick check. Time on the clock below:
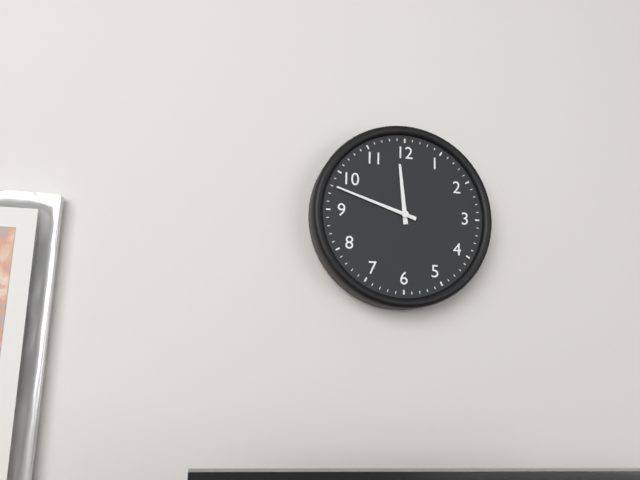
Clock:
11:48
